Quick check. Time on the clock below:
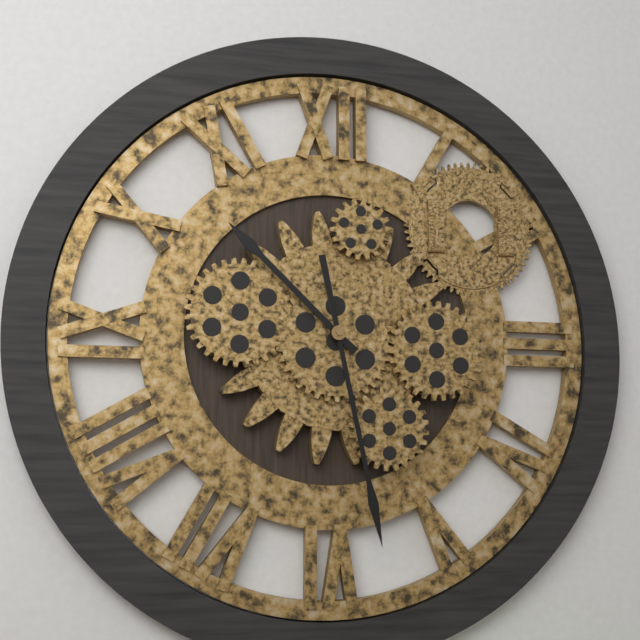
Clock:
10:28
